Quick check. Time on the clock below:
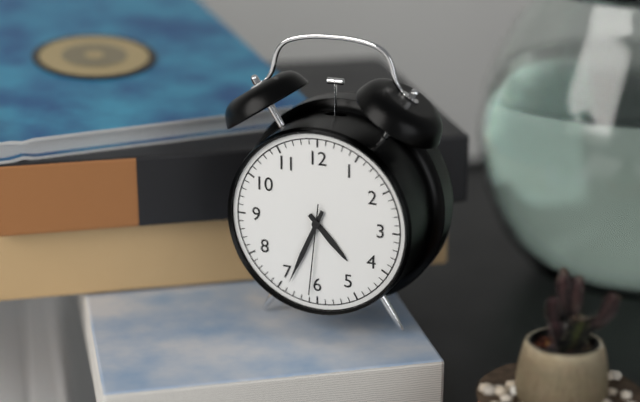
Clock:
4:34:31
